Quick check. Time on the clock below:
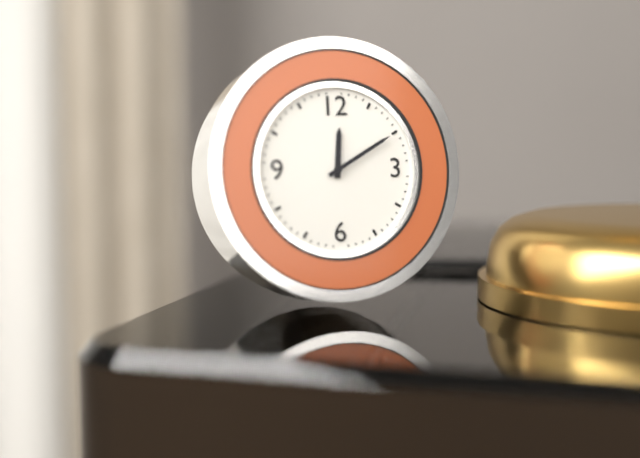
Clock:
12:10
